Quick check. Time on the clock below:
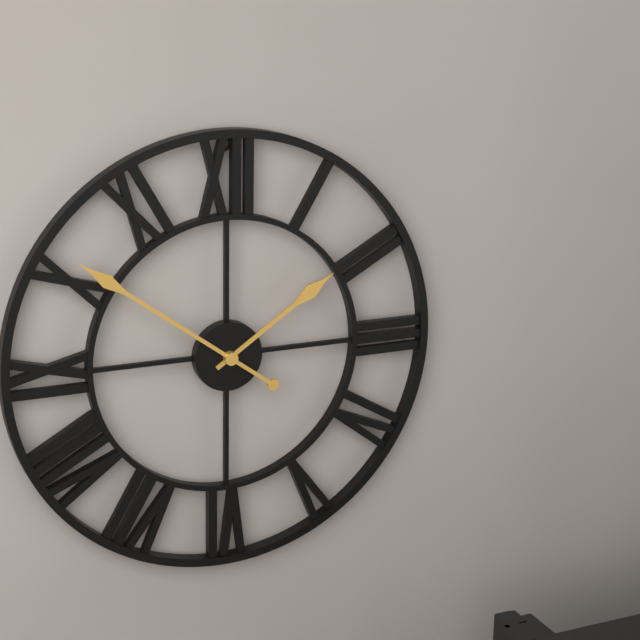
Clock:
1:51
